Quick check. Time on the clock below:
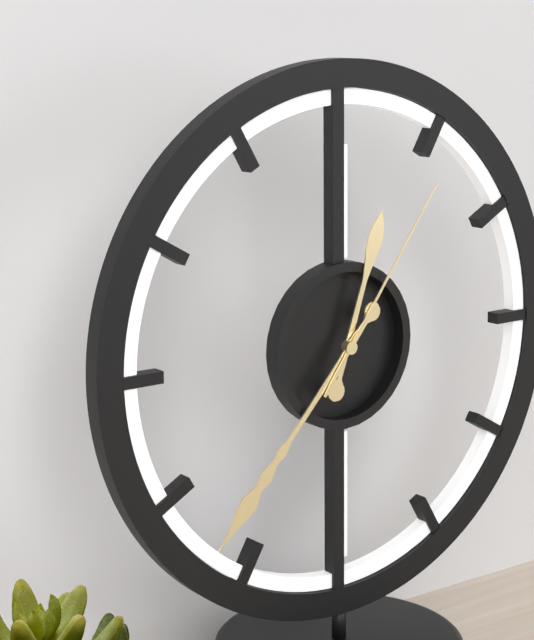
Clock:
12:37:06
